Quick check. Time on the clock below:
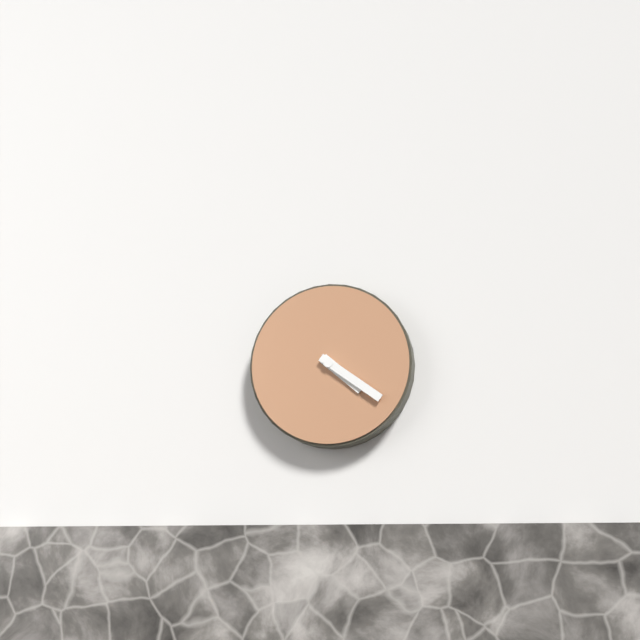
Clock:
4:21
